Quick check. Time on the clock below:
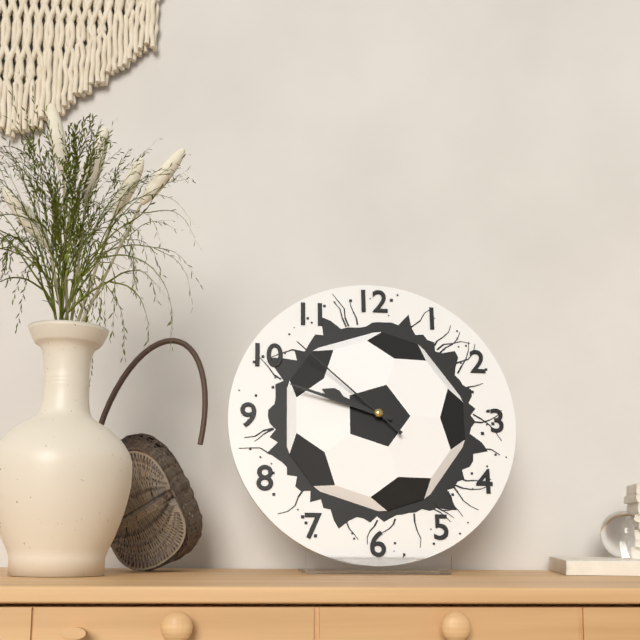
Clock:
9:48:52
